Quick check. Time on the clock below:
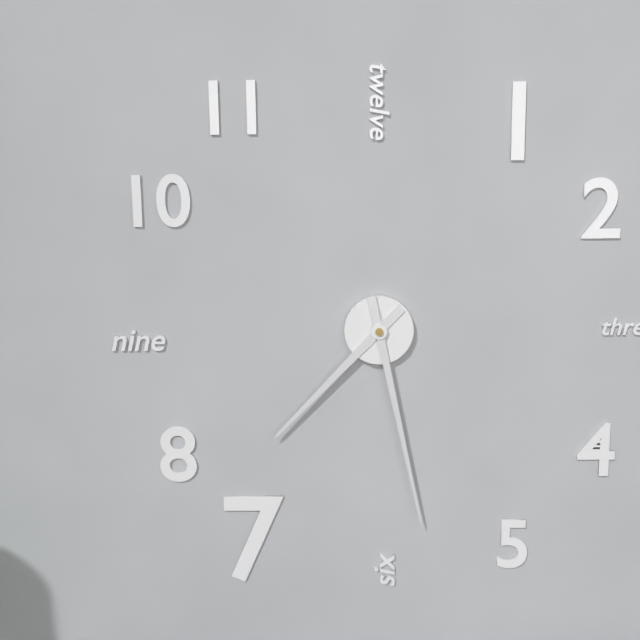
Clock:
7:28
